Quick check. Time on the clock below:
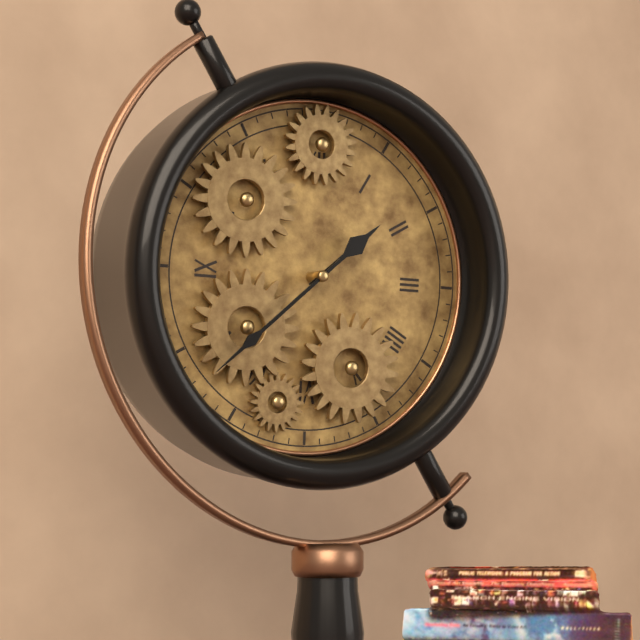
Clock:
1:38
